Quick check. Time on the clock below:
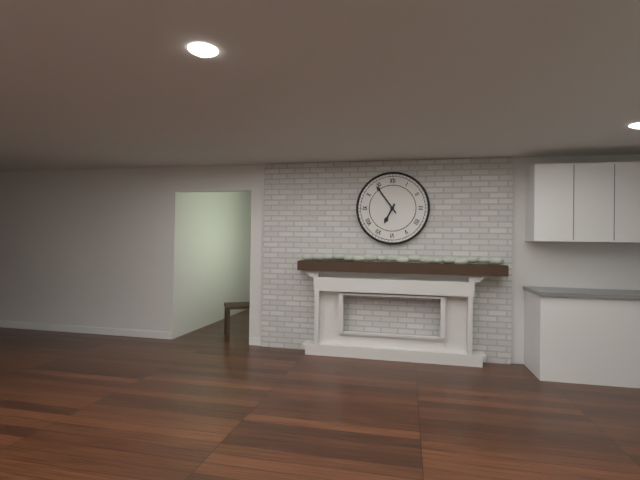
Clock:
6:54
